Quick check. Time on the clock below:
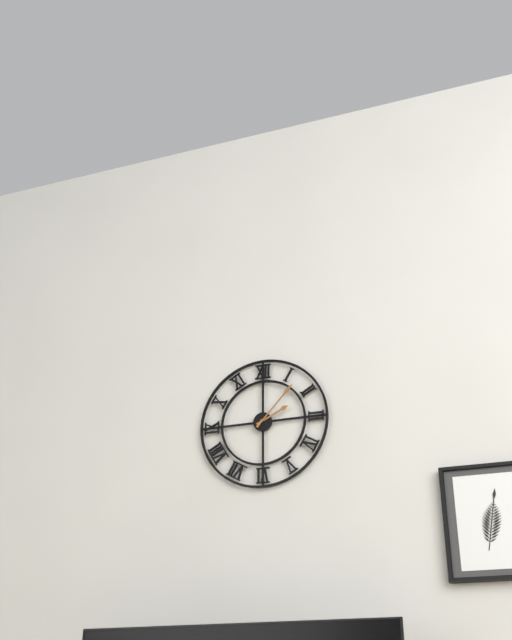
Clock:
2:07
